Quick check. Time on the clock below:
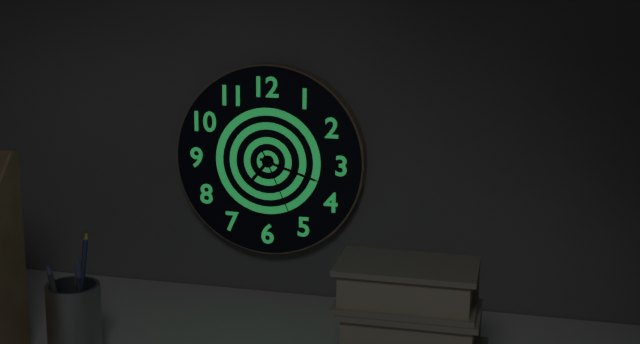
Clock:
7:18:26
